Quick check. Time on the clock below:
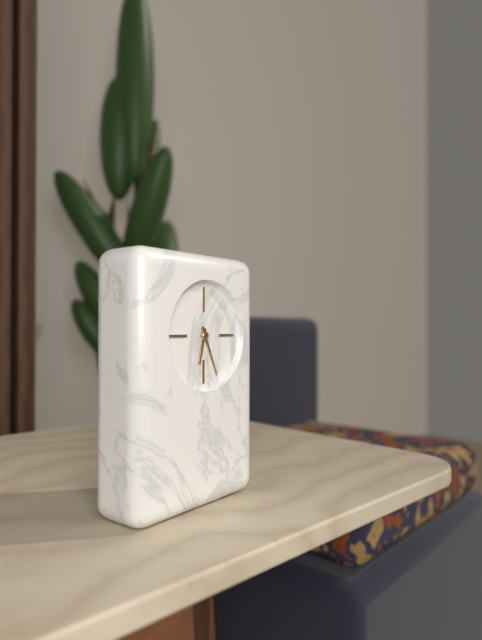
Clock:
6:26
